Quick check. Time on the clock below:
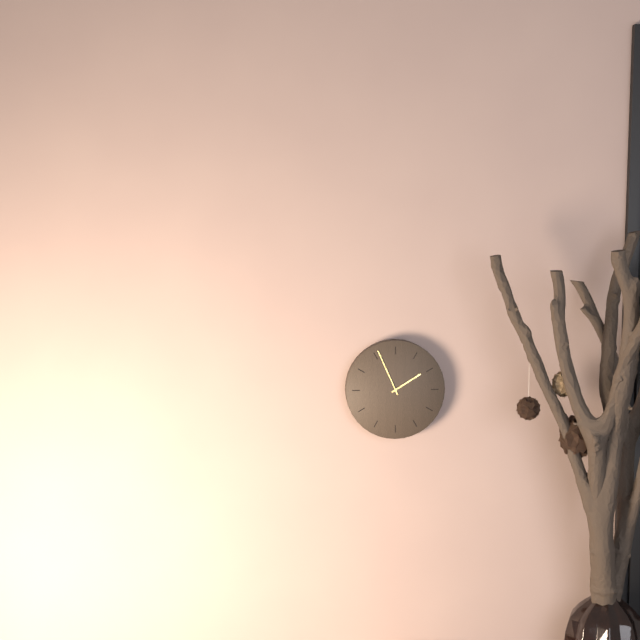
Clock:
1:56
